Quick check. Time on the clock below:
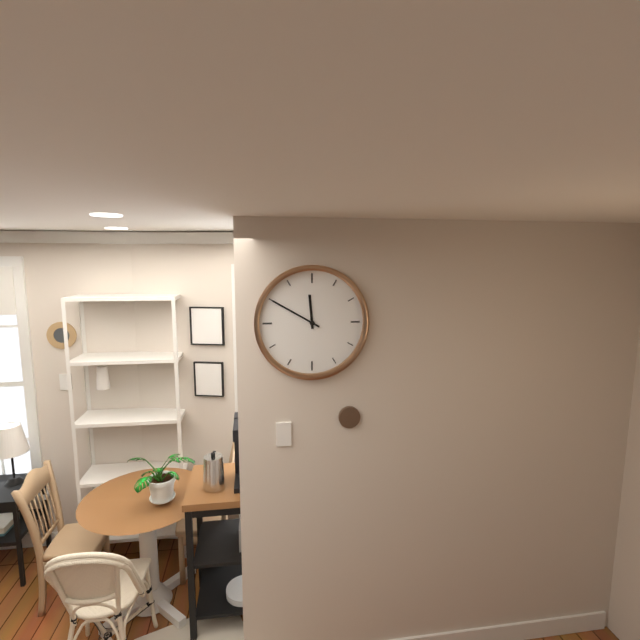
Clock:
11:50
